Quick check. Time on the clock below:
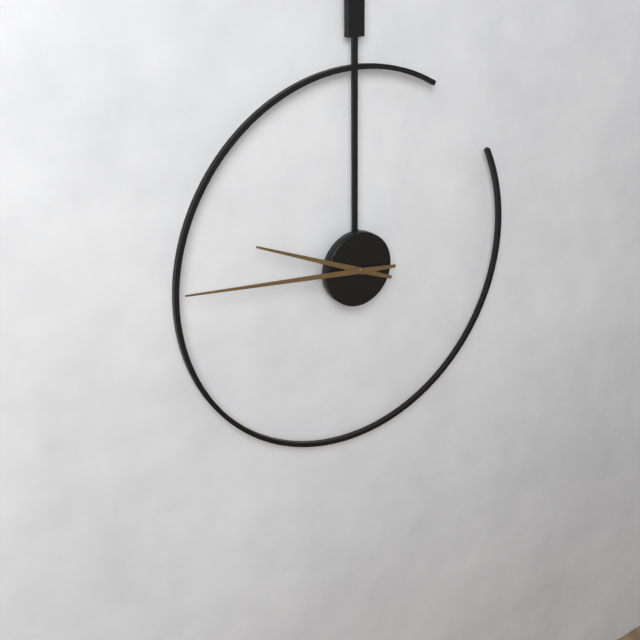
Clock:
9:46
